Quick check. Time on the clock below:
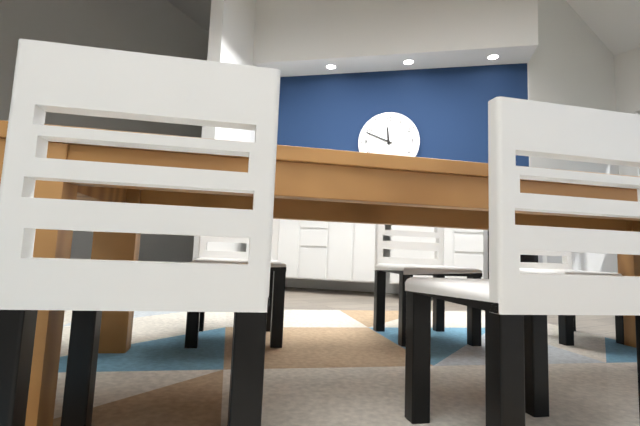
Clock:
11:49
